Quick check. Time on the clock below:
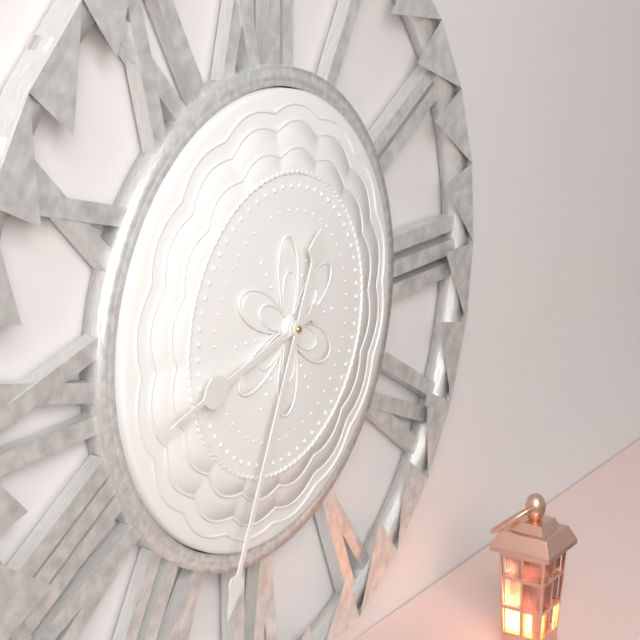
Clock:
8:34
